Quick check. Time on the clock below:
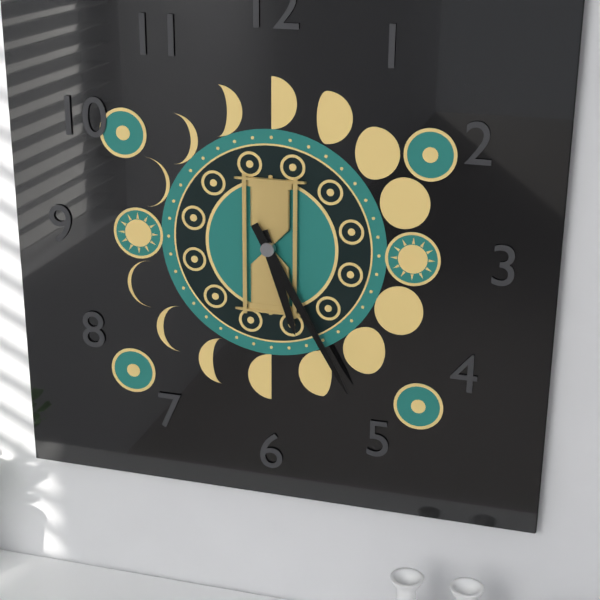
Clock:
5:25
